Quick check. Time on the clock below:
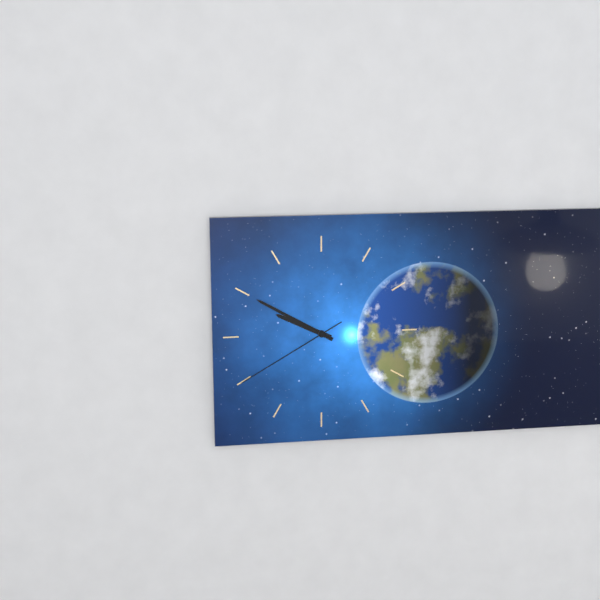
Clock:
9:50:40
